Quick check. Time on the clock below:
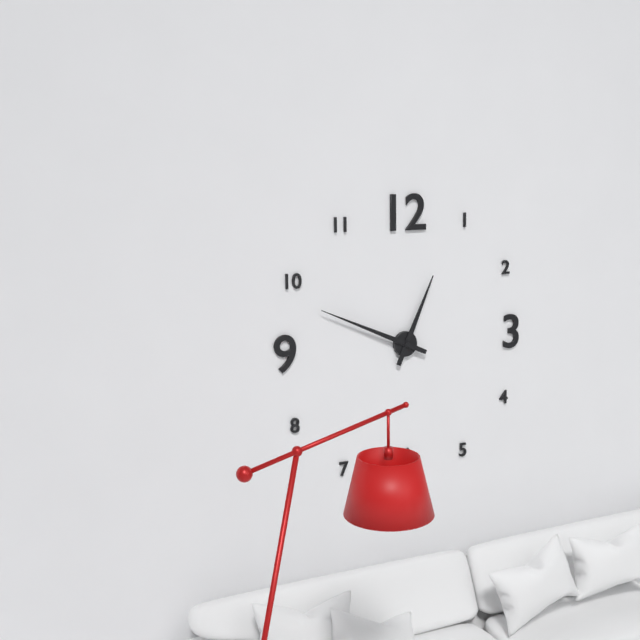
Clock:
12:49
